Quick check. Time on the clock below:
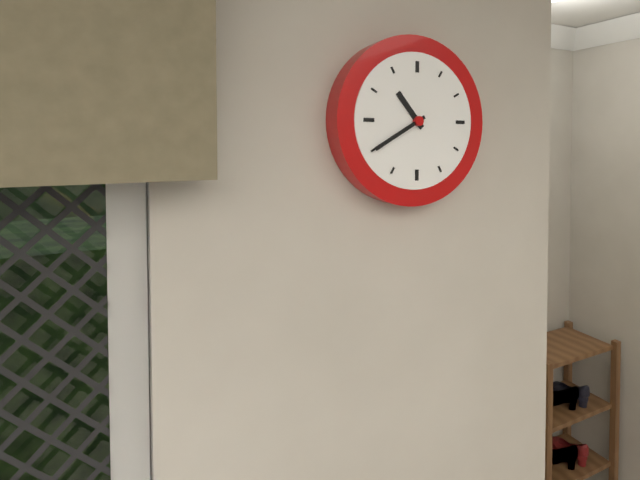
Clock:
10:40
